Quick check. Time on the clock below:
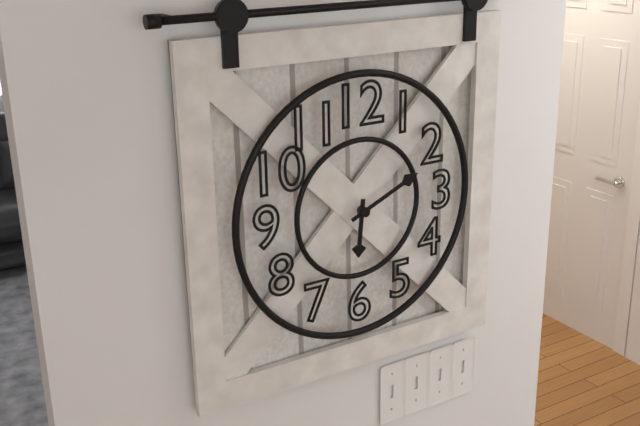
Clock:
6:11
